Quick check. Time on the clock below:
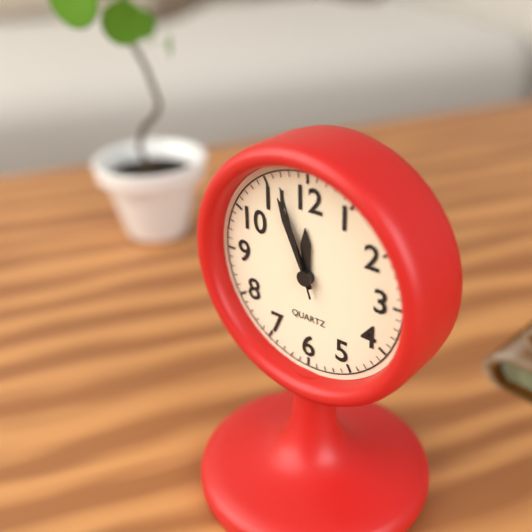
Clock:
11:56:57
